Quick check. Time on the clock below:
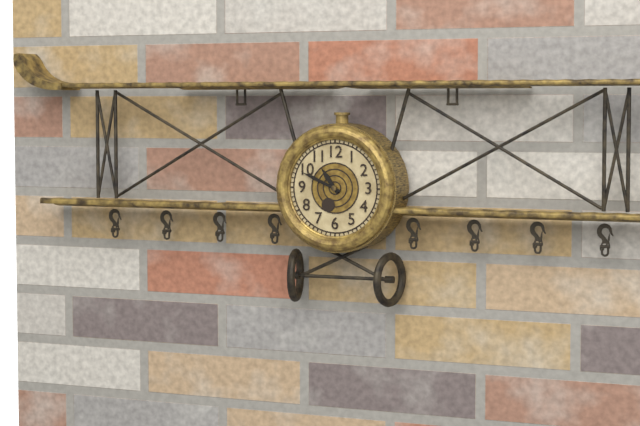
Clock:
10:49
